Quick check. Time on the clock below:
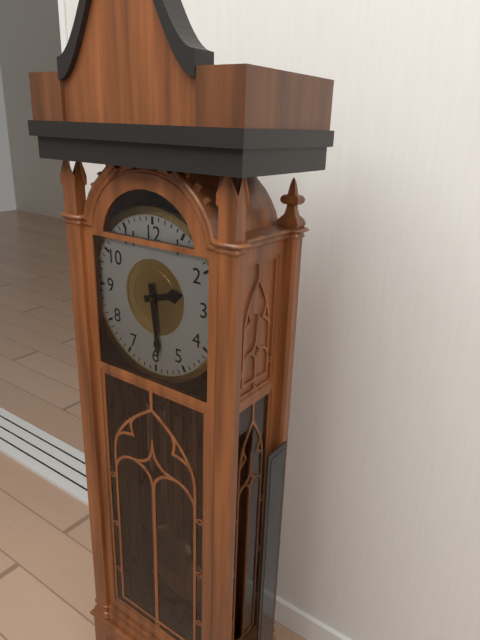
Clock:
2:29
